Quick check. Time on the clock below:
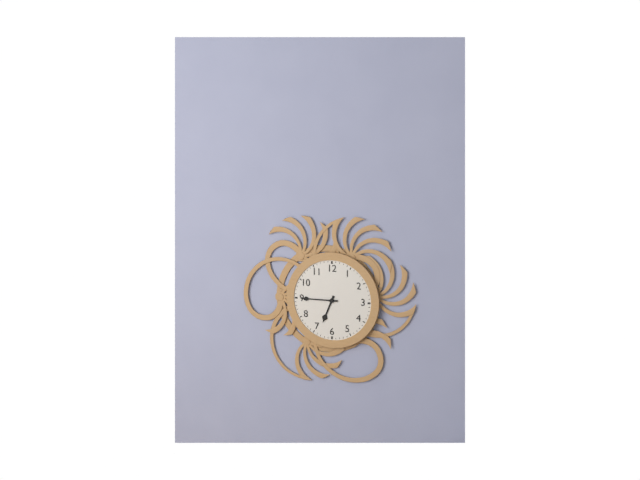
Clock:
6:45
